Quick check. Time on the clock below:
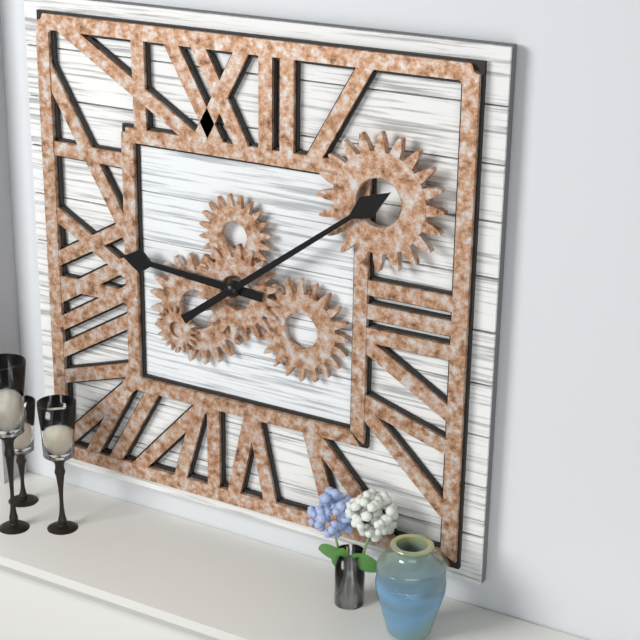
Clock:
9:09
